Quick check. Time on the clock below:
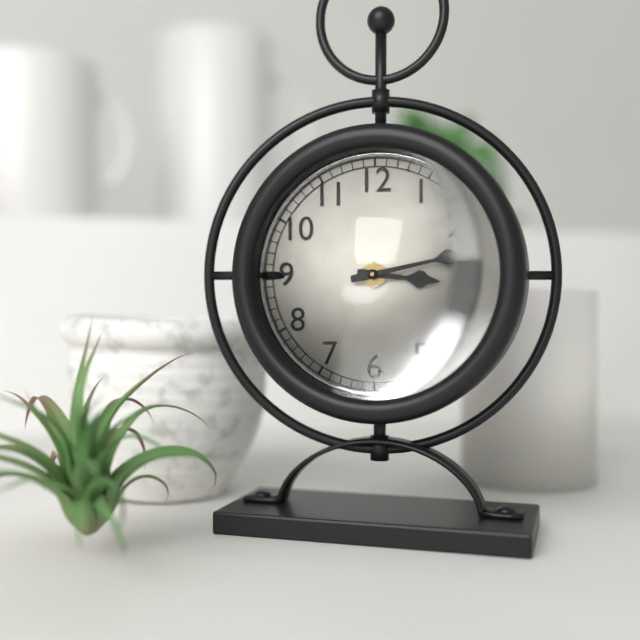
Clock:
3:13
